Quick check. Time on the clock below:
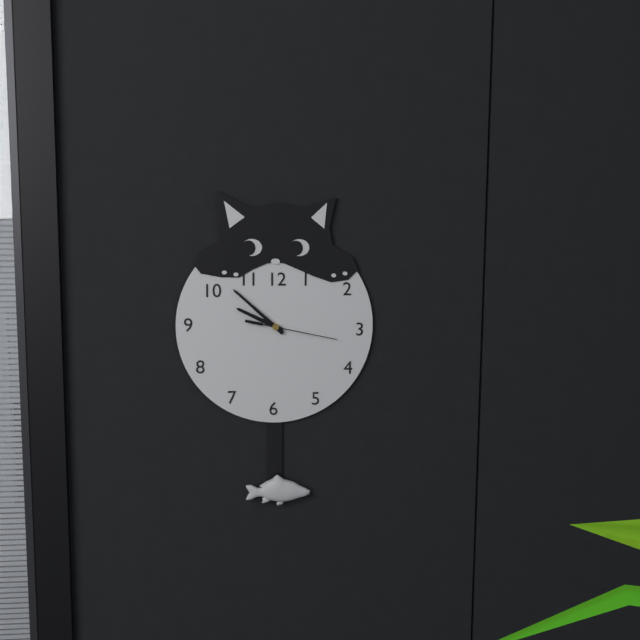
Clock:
9:52:17
